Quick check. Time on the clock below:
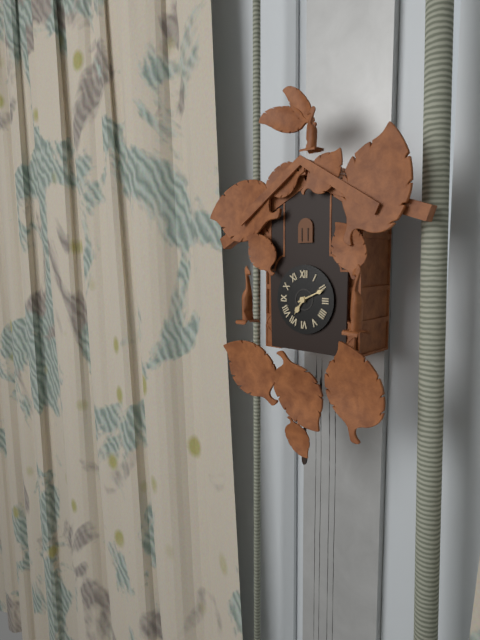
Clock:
7:11
